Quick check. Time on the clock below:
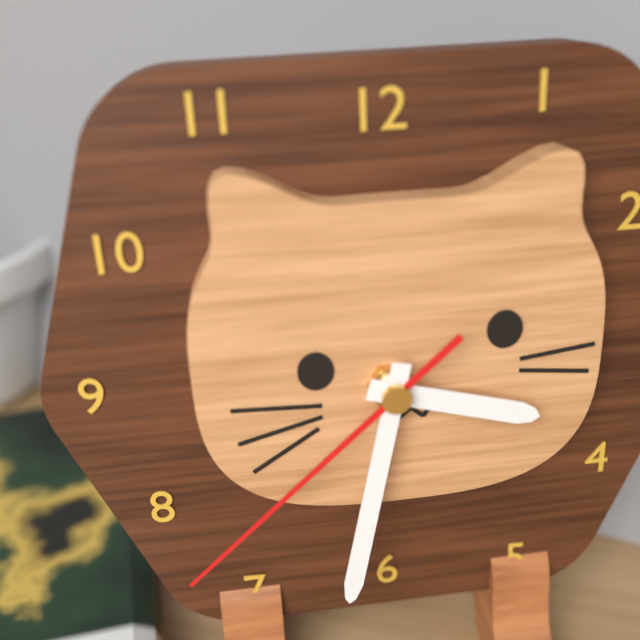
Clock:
3:32:38
